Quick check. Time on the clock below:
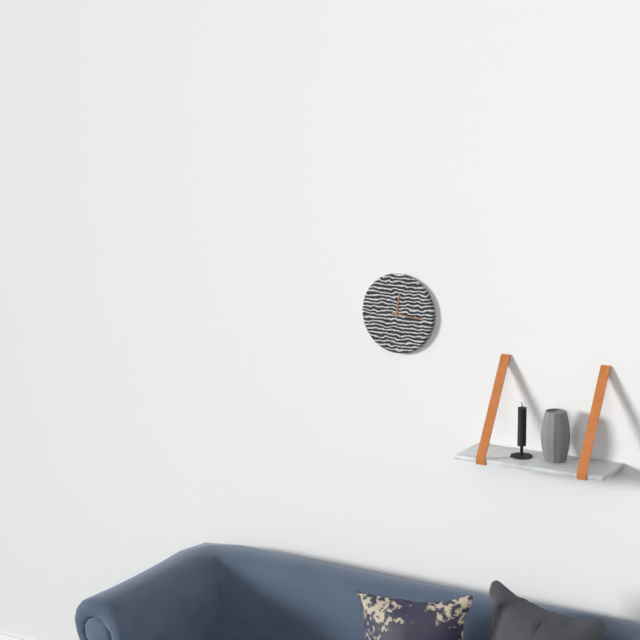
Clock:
12:16
